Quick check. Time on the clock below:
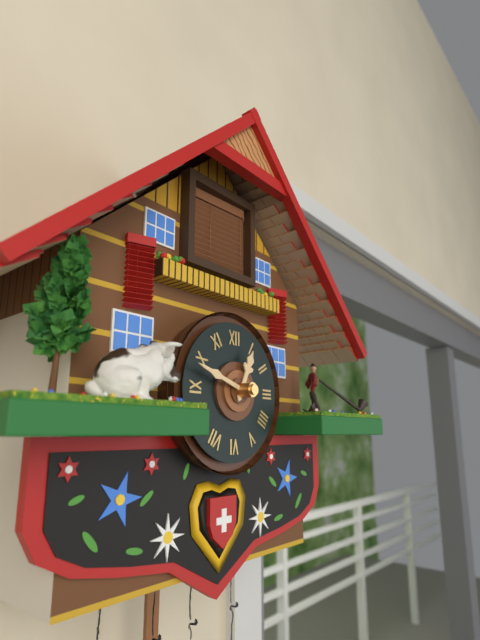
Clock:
12:48
